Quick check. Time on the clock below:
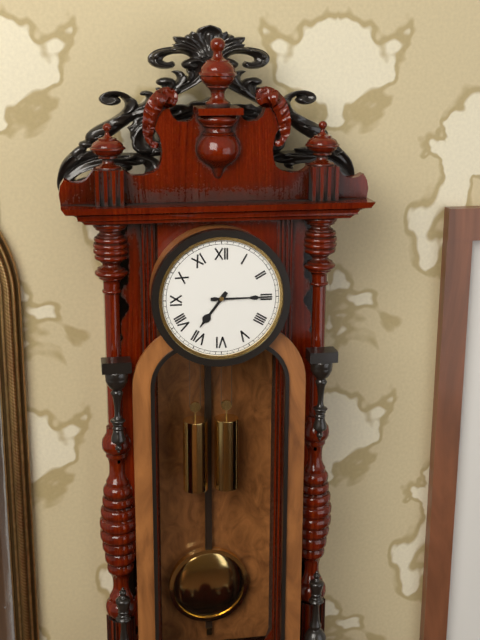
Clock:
7:15
